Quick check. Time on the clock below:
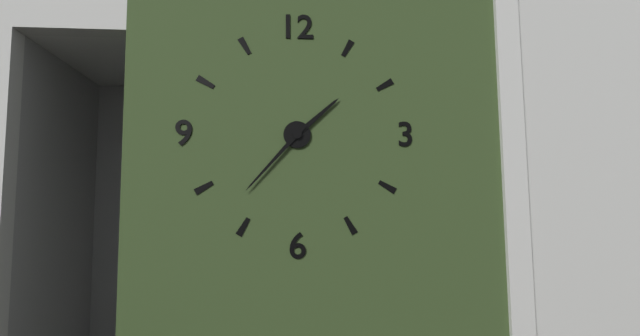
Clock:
1:37
